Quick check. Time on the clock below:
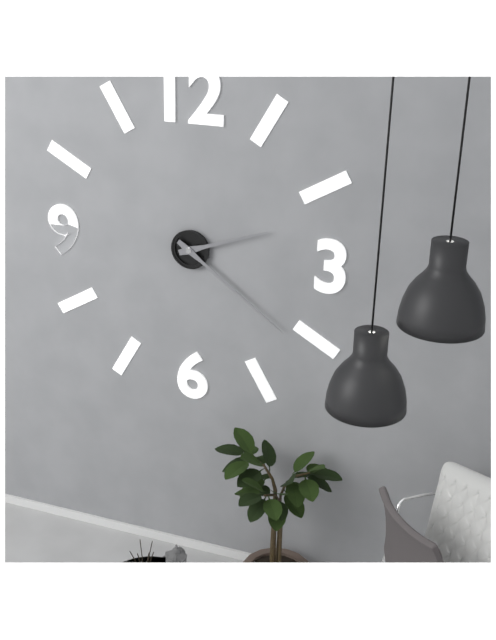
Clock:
2:21
